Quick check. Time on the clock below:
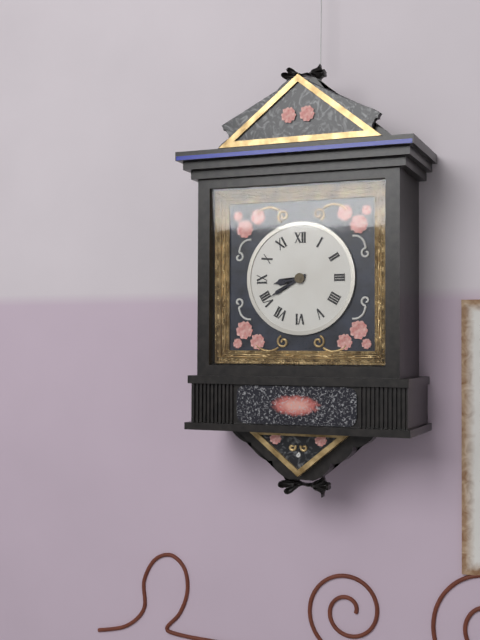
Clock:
8:40
